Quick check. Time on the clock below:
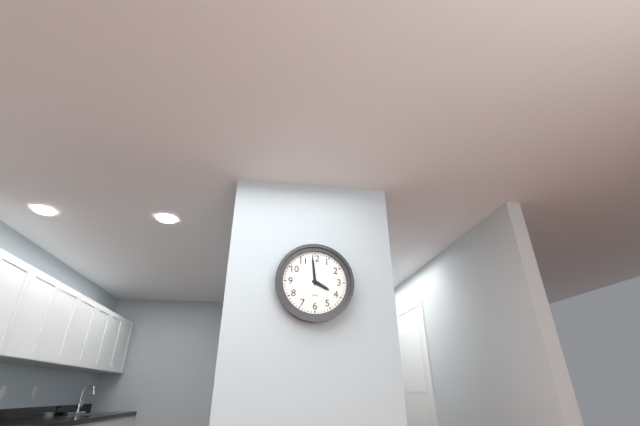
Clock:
3:59
